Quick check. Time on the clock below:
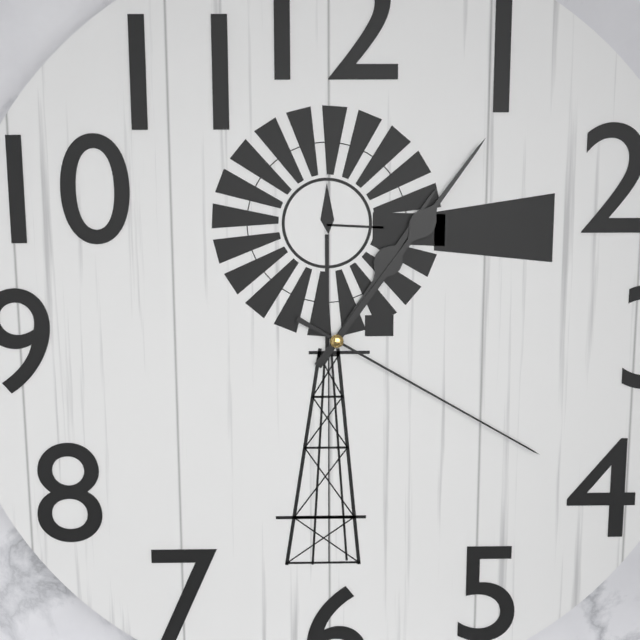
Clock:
1:06:20
